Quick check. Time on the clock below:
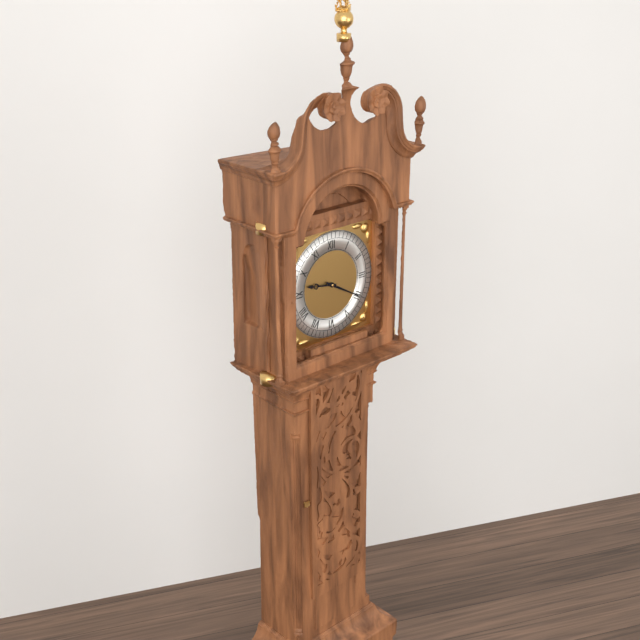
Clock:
9:20
